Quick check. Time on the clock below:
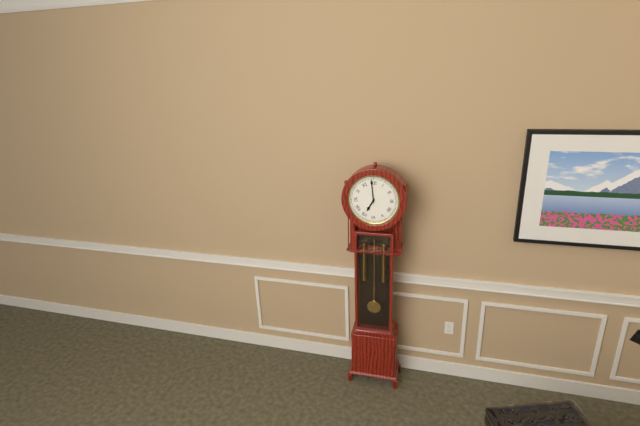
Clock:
6:59
